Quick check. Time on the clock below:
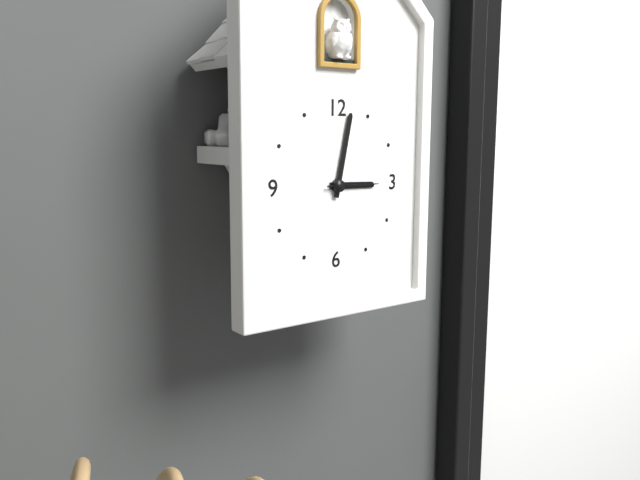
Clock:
3:02:15
